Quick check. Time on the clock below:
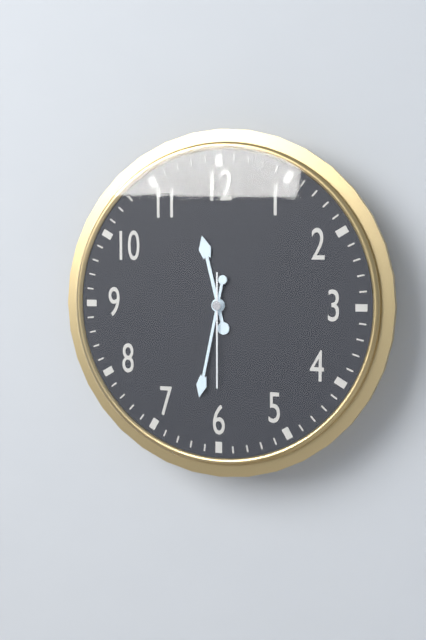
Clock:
11:32:30
